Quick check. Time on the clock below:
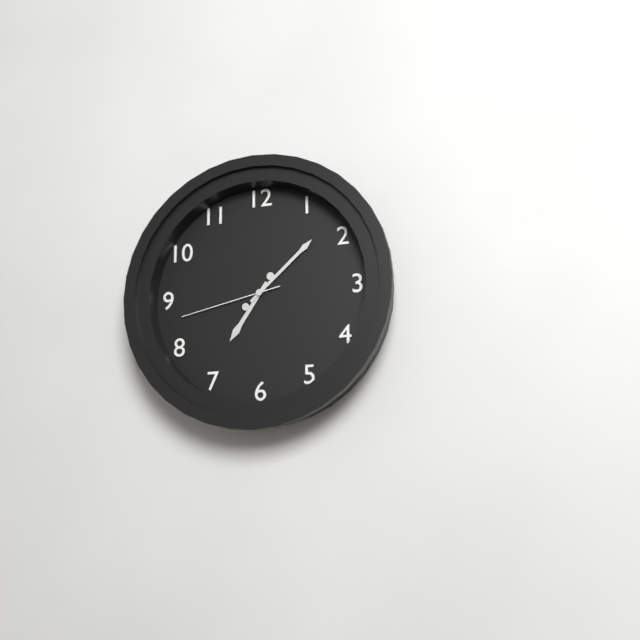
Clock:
7:08:43
